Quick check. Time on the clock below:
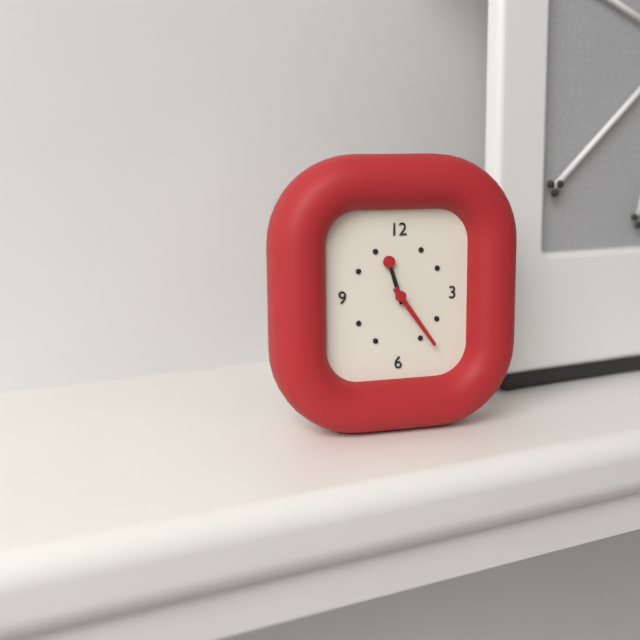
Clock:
11:24
